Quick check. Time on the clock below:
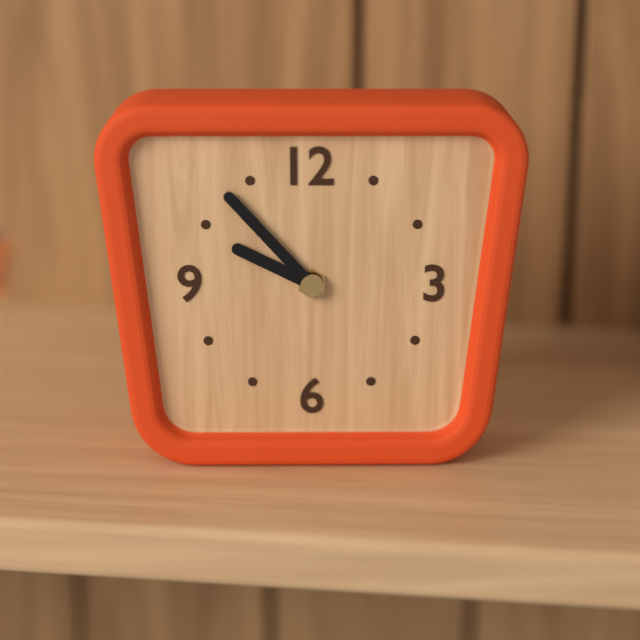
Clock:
9:53
